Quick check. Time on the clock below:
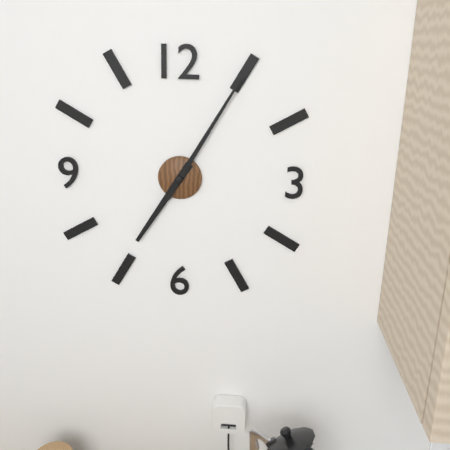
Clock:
7:05
